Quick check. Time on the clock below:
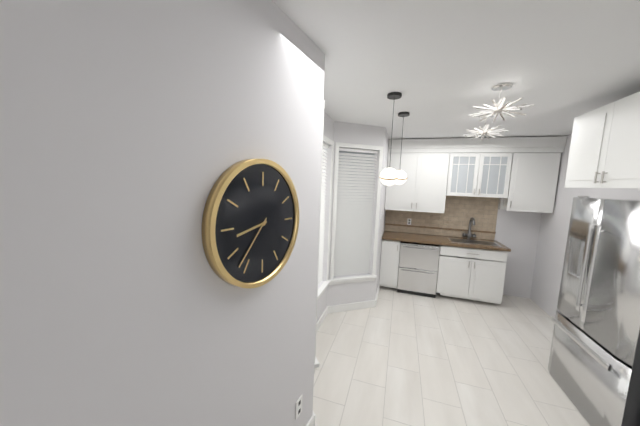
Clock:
8:37
